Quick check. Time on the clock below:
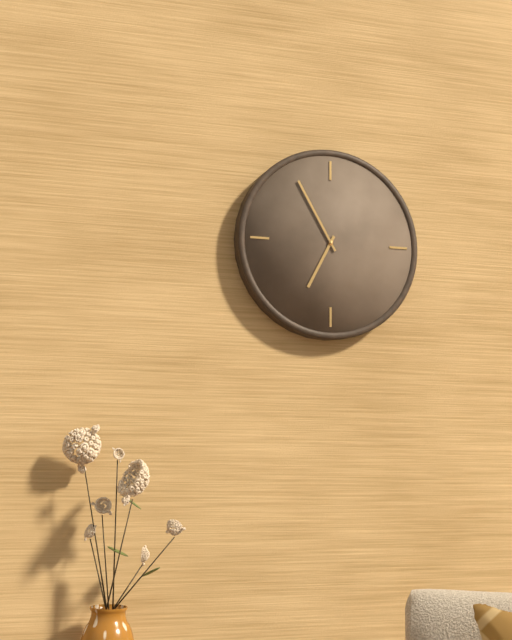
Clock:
6:55
